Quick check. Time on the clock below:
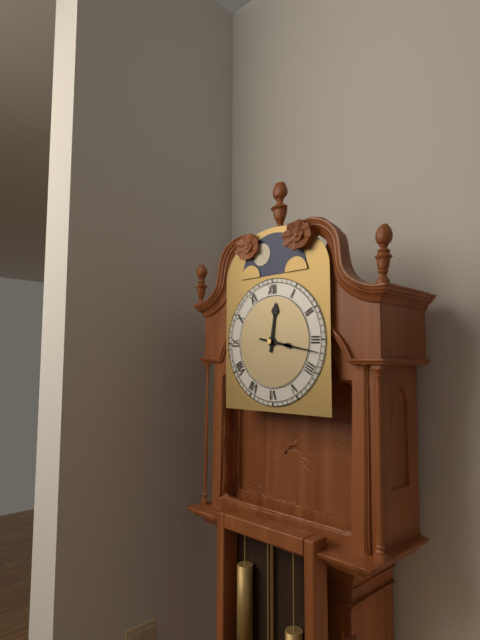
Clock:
12:17
